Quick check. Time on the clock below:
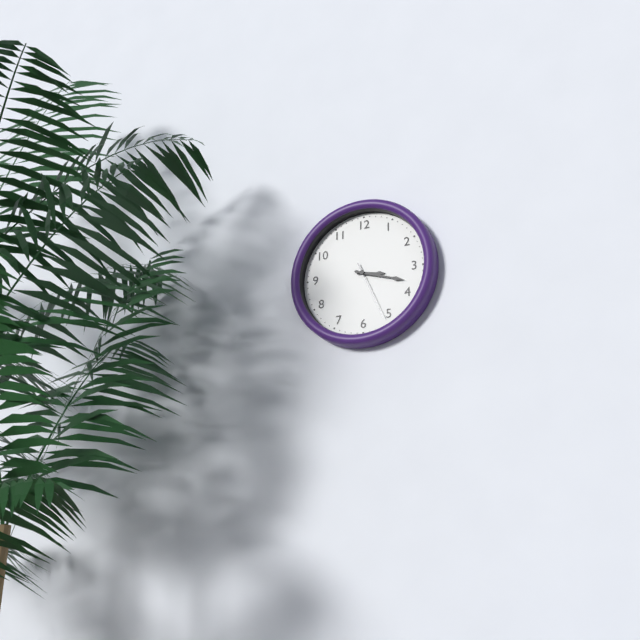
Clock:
3:18:26
